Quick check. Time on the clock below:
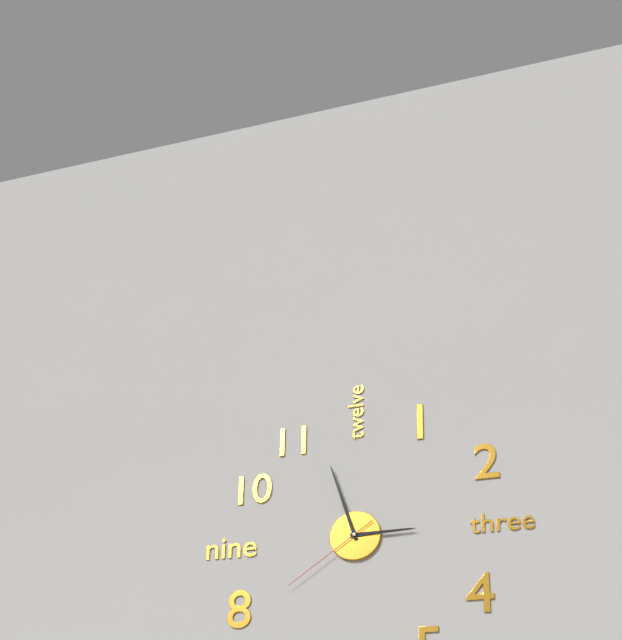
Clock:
2:57:39
